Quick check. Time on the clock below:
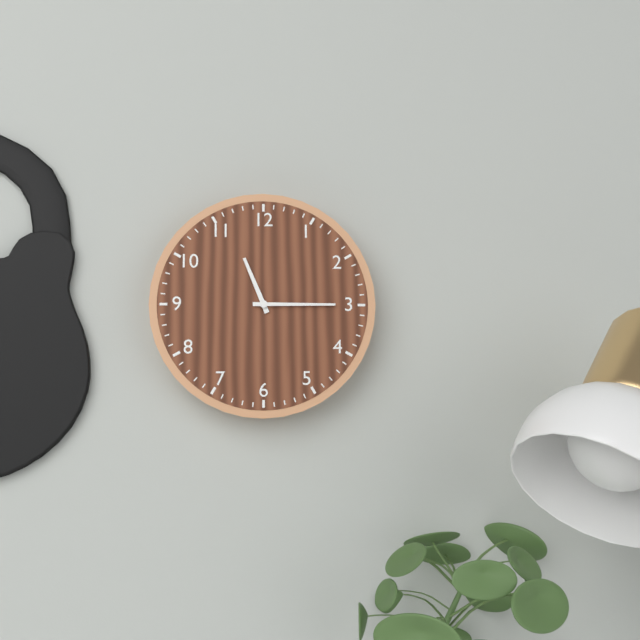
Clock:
11:15
